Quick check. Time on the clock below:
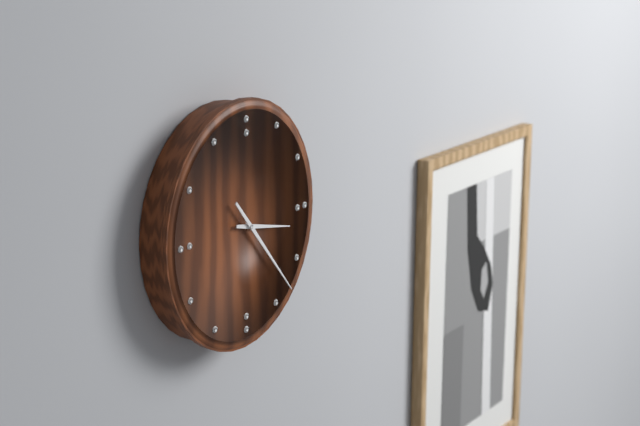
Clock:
3:23
